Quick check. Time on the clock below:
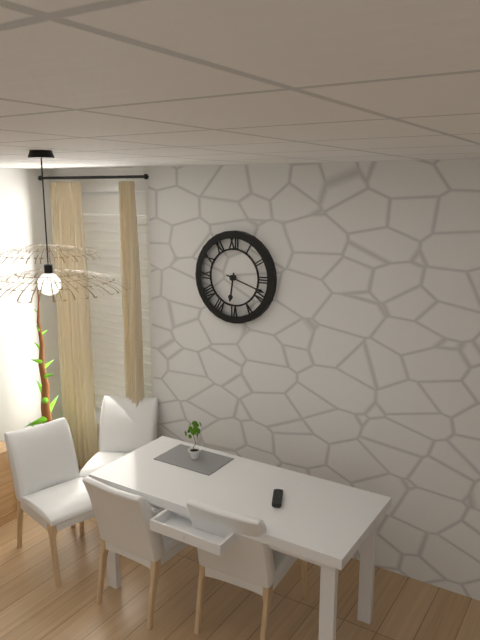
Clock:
6:18
